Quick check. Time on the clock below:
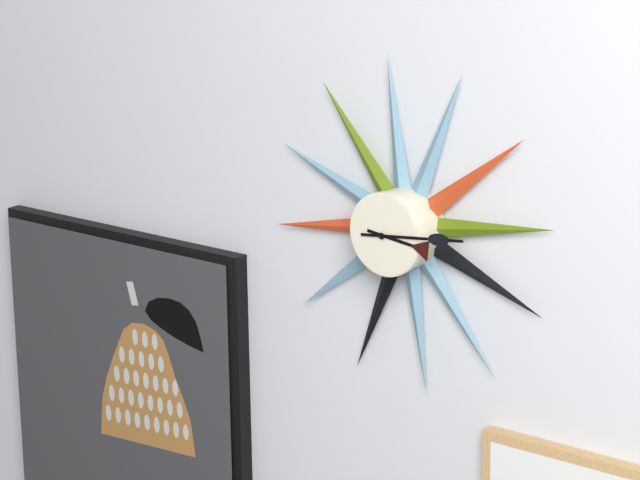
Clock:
3:14
